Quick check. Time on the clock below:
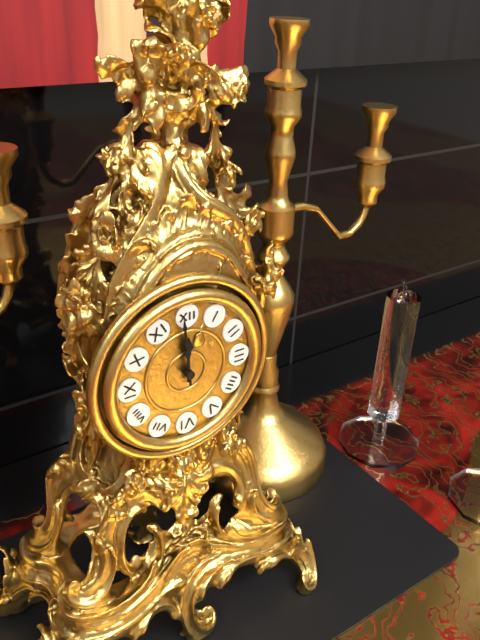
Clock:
11:59
